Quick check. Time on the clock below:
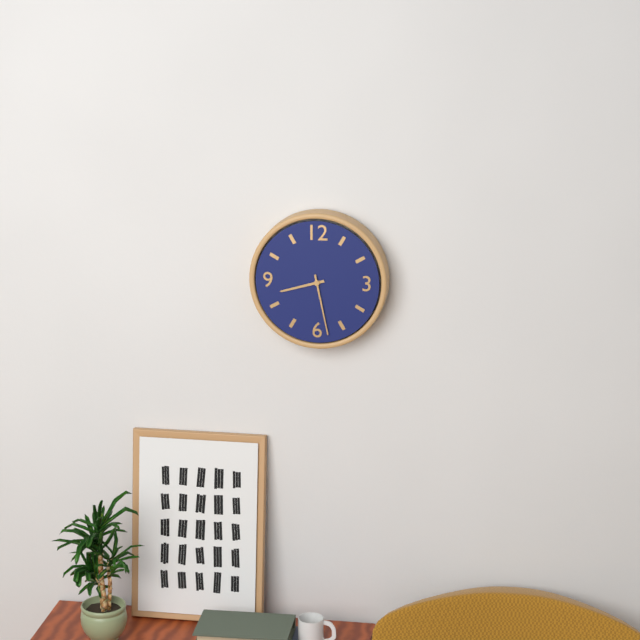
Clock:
8:28
